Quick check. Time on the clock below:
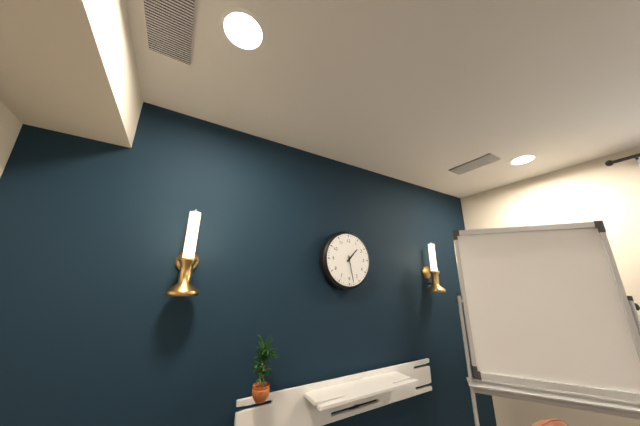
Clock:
1:28
